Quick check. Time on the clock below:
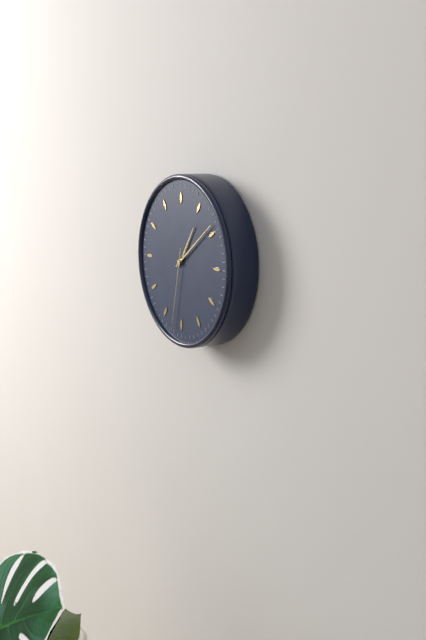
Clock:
1:09:32
